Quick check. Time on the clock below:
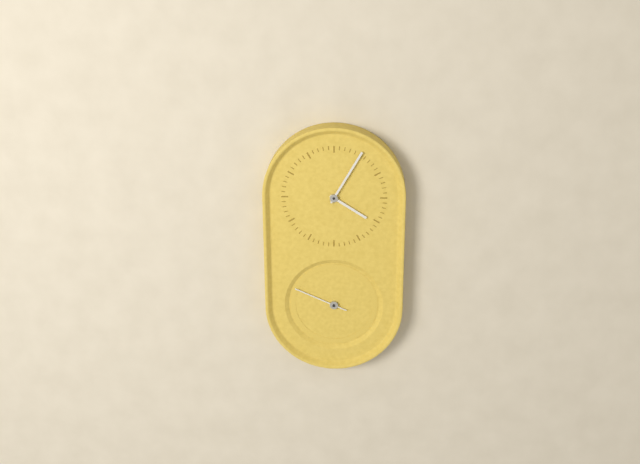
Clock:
4:05:49
